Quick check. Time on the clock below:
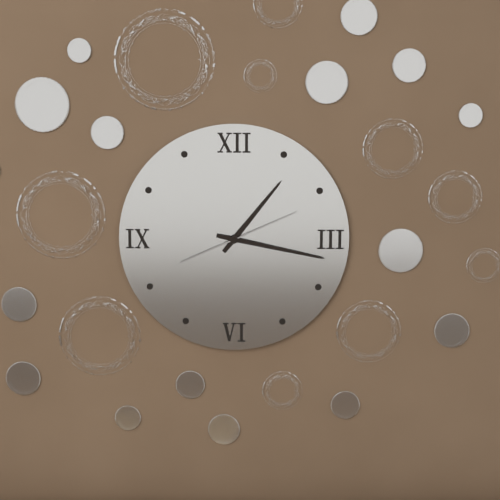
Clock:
1:17:11
